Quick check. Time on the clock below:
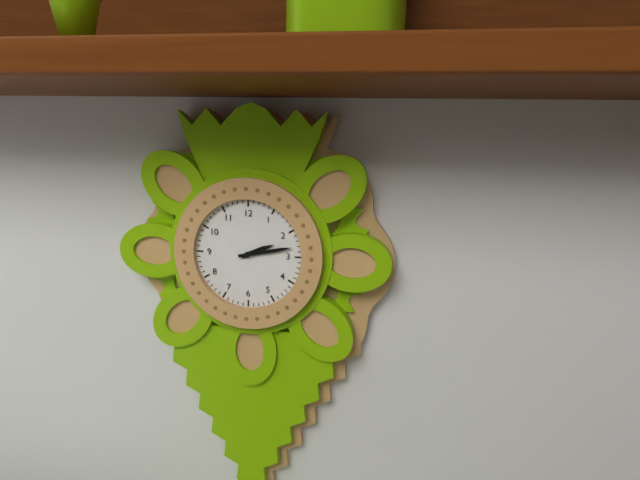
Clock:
2:13
